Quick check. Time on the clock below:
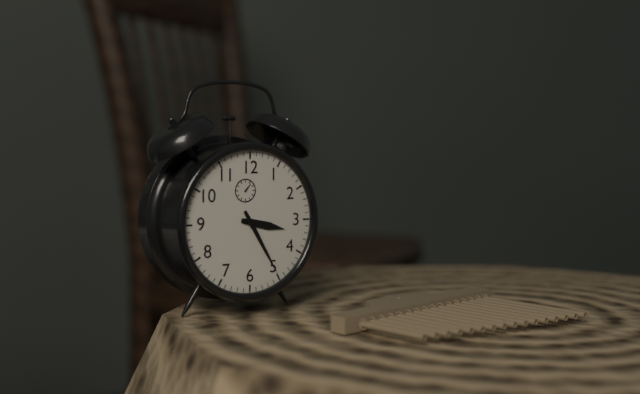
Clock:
3:25
